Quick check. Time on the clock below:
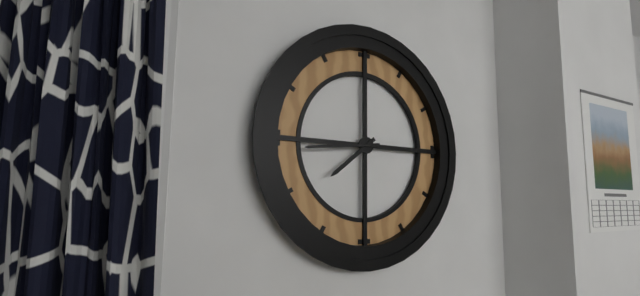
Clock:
7:44
